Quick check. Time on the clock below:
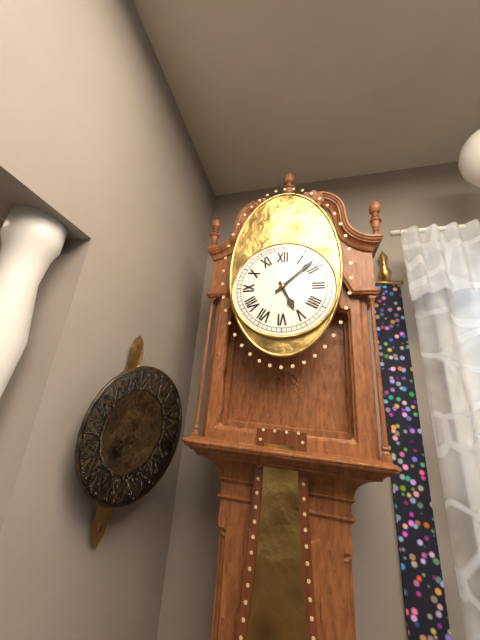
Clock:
5:08
